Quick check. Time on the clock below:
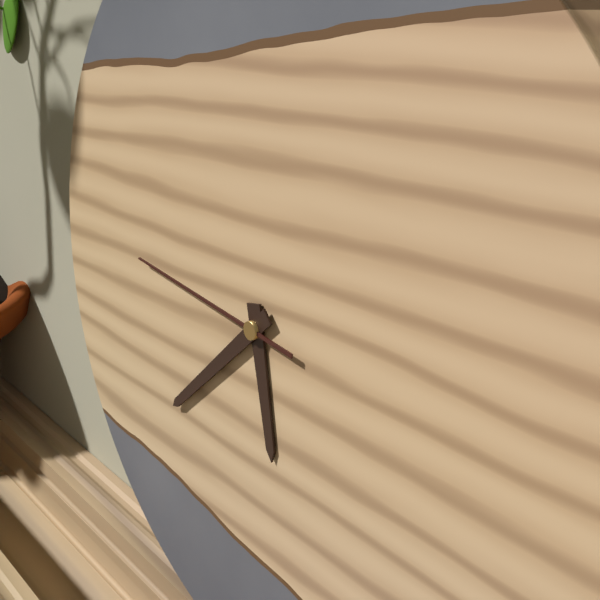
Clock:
5:38:46
